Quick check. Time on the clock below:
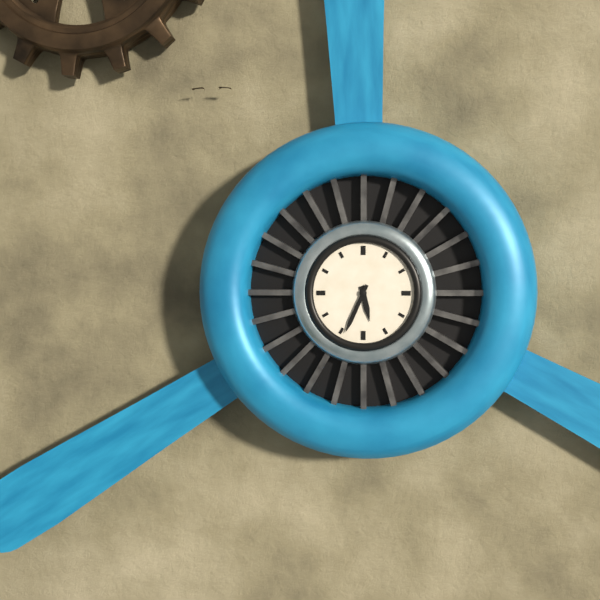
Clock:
5:34
